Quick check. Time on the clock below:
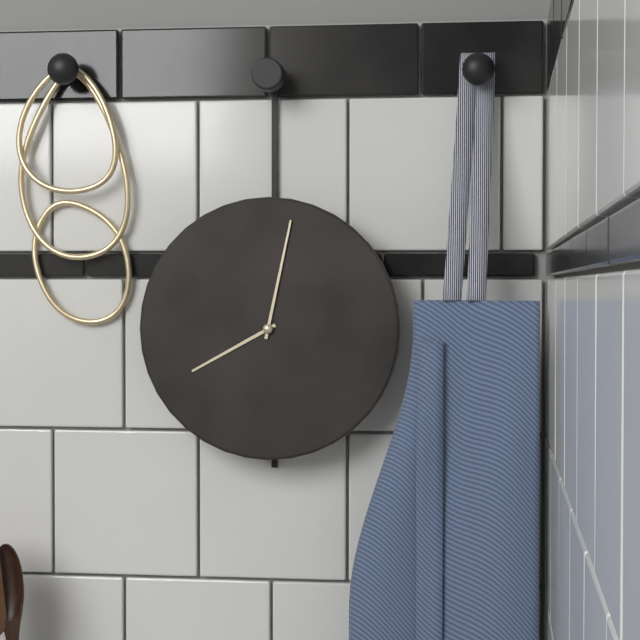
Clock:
8:02
